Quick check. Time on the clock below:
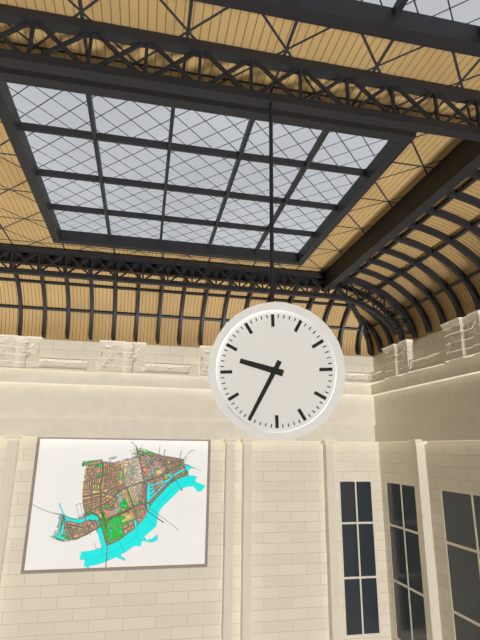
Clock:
9:35
